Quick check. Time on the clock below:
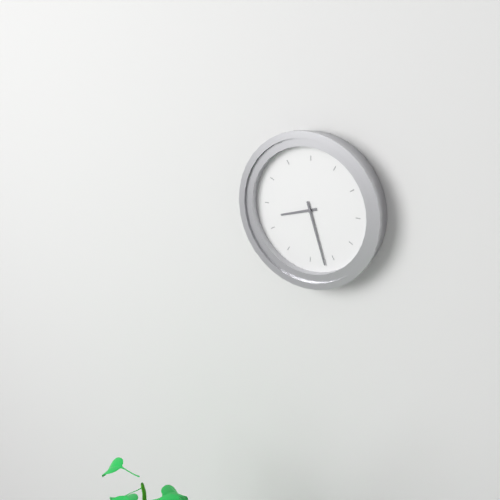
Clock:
8:27
